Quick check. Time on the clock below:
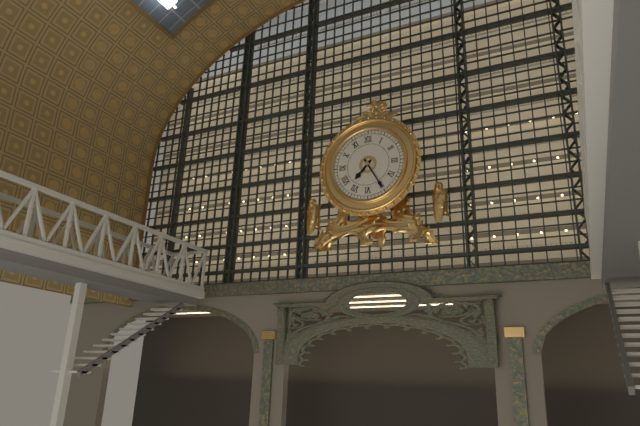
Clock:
7:25
